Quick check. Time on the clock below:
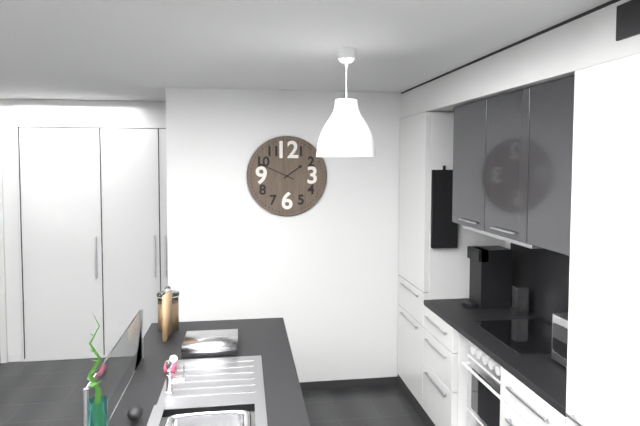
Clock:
1:49
